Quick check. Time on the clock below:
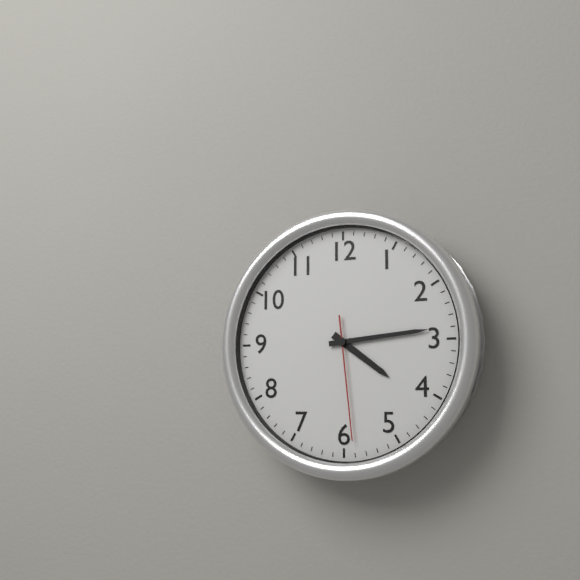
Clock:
4:14:29
